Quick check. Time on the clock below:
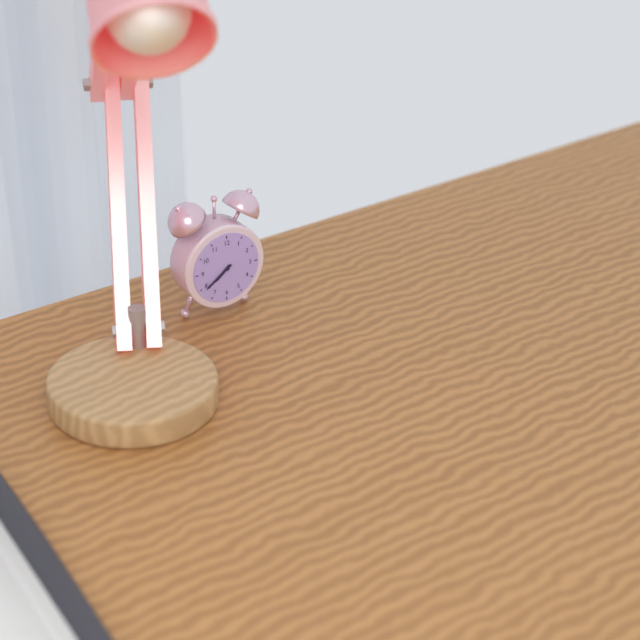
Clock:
7:39
